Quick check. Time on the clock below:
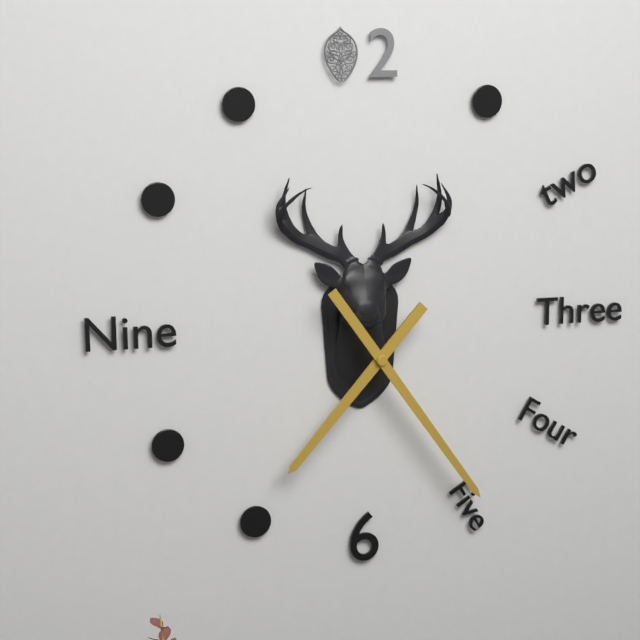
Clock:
7:24
